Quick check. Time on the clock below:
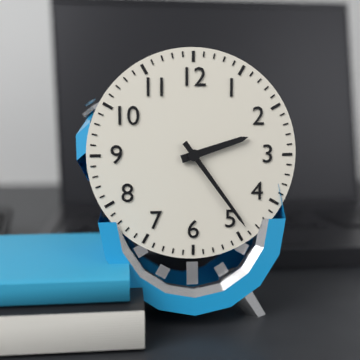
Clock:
2:24
